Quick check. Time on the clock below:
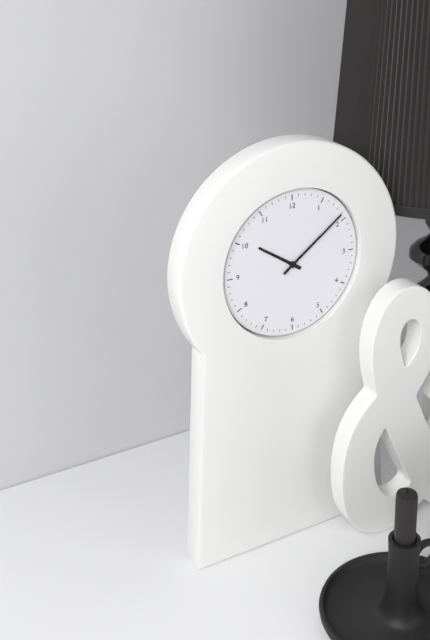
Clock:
10:09
